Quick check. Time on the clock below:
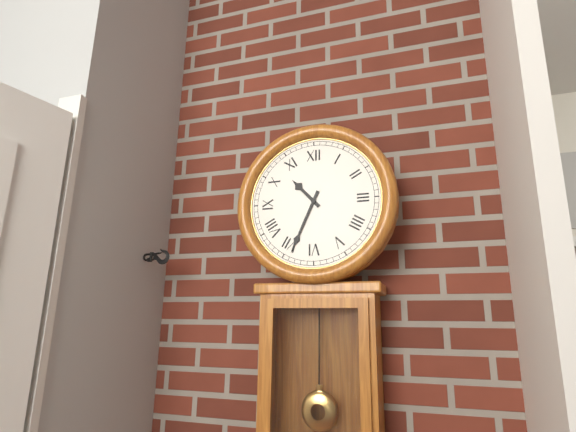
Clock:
10:34
